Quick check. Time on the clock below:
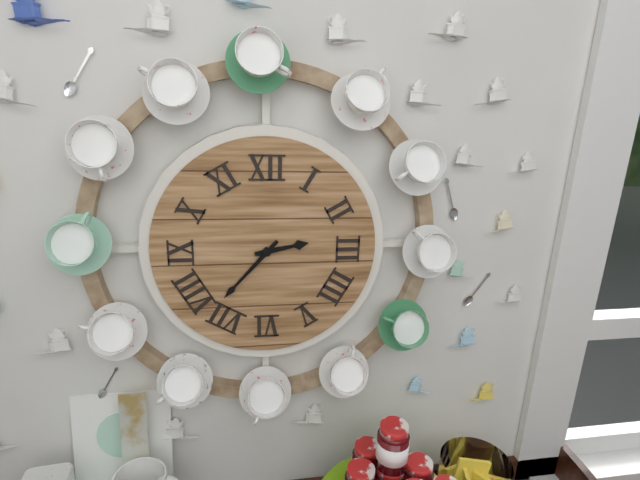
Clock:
2:37
